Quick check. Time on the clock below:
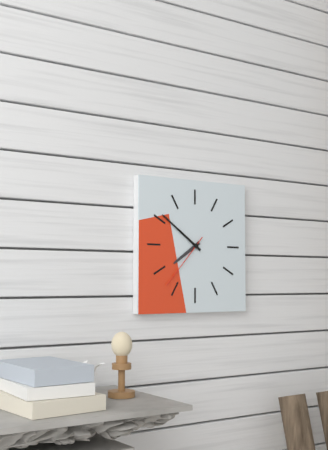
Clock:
7:51:37
